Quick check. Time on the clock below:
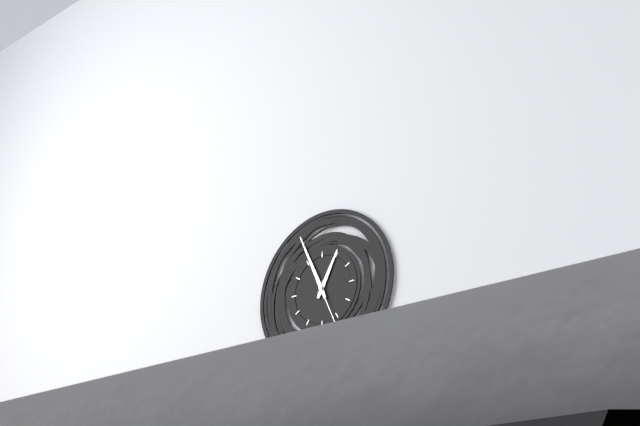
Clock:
12:56:26
